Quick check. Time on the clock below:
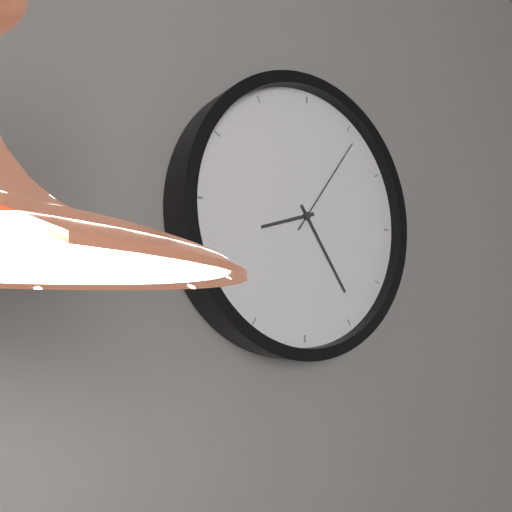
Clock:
8:24:06
